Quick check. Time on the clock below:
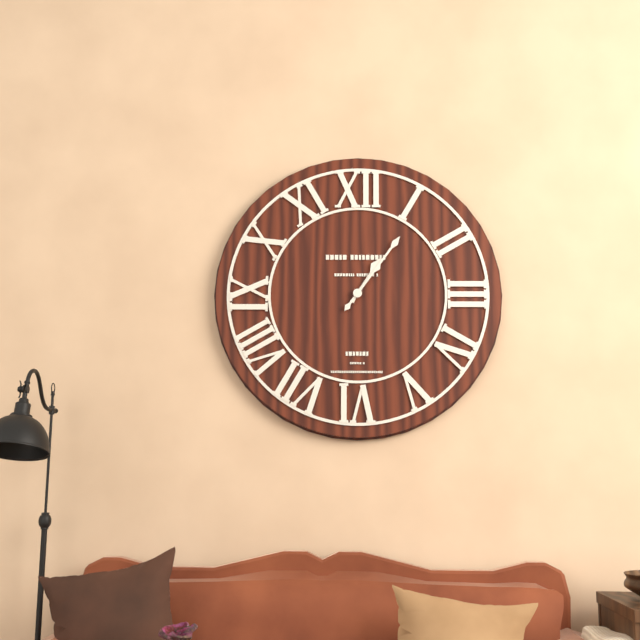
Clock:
1:06
